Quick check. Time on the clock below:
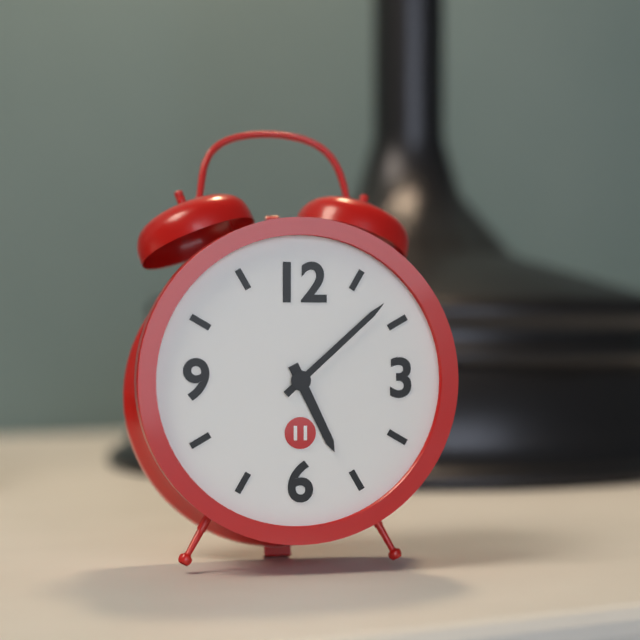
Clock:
5:08
